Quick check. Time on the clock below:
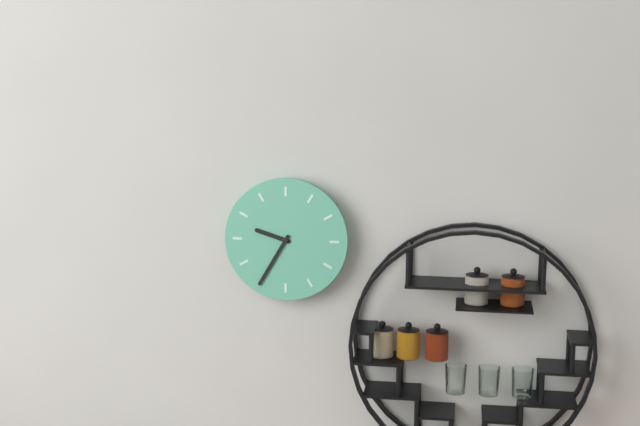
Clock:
9:35
